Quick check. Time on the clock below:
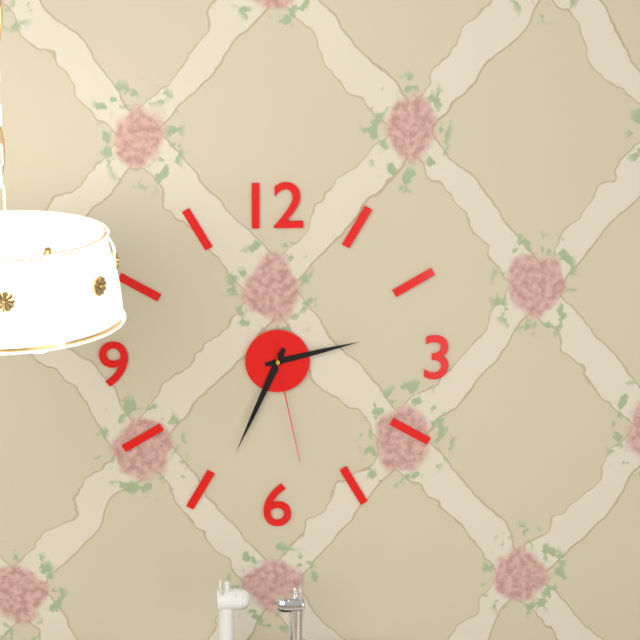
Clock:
2:34:28
